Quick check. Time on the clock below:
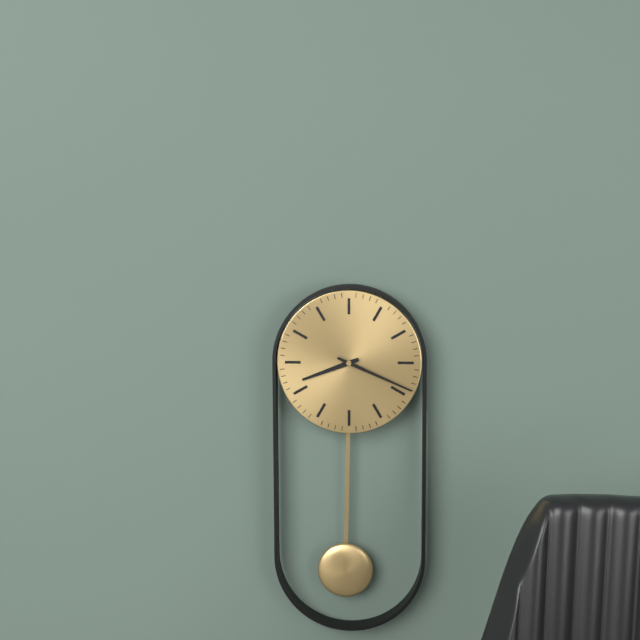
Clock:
8:19
